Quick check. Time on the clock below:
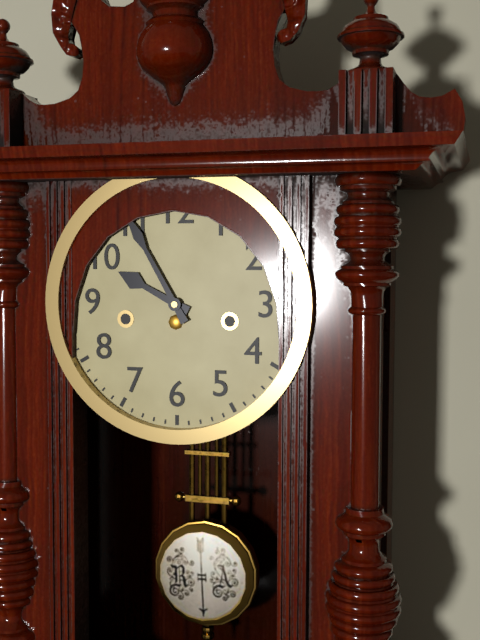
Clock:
9:55
